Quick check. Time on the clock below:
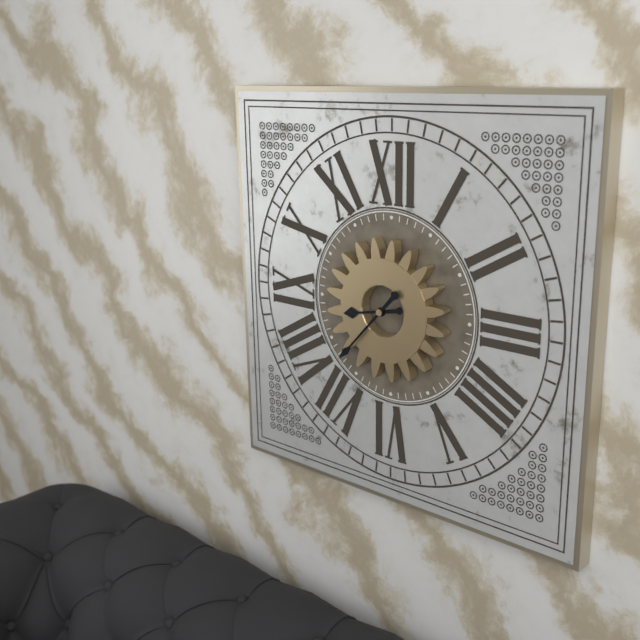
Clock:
8:37
